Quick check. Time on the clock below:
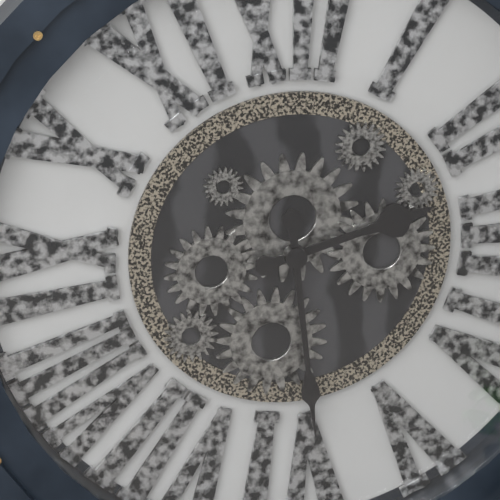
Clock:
2:29
